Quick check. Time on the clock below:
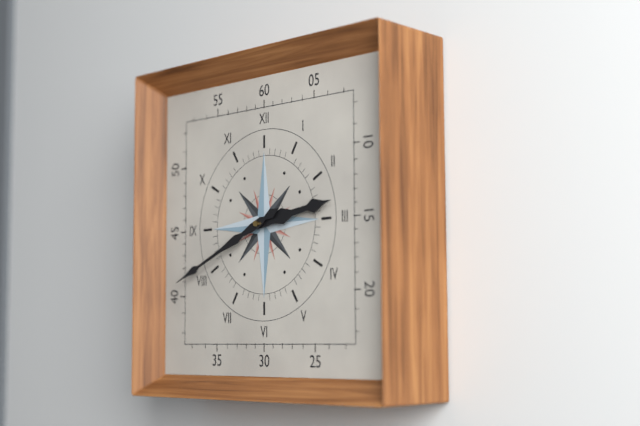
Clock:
2:41
